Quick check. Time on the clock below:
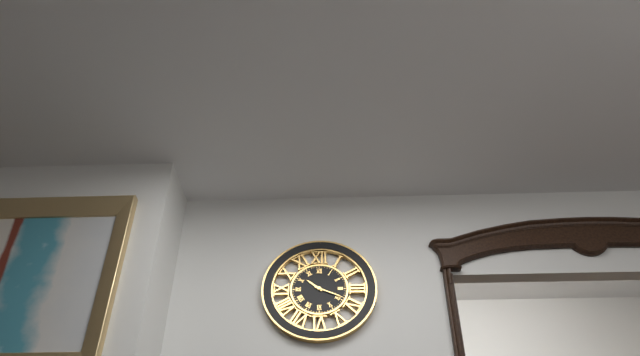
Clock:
10:19
